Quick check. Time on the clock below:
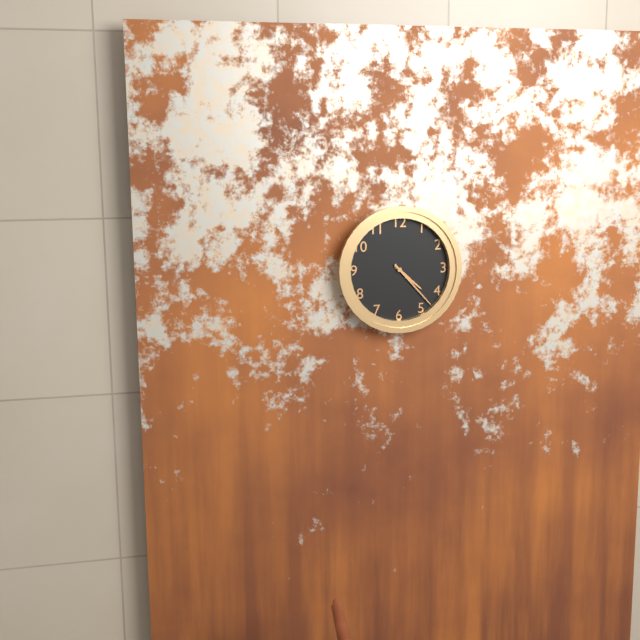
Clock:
4:23
